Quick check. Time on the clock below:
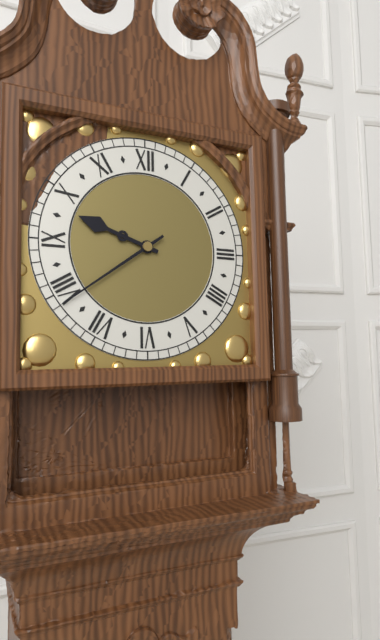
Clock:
9:39
